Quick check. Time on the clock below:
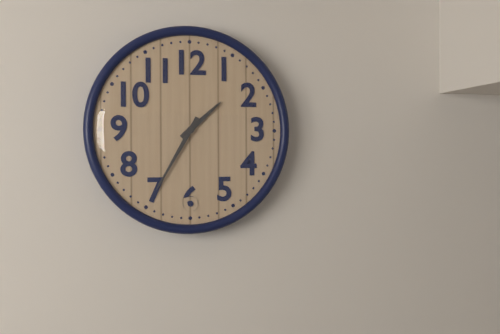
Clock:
1:35
